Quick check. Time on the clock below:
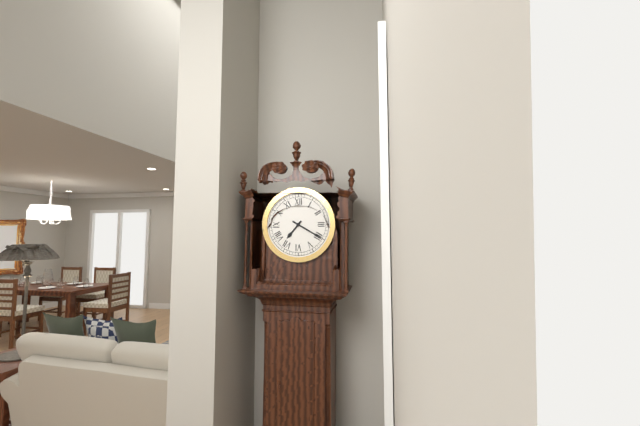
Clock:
7:20
